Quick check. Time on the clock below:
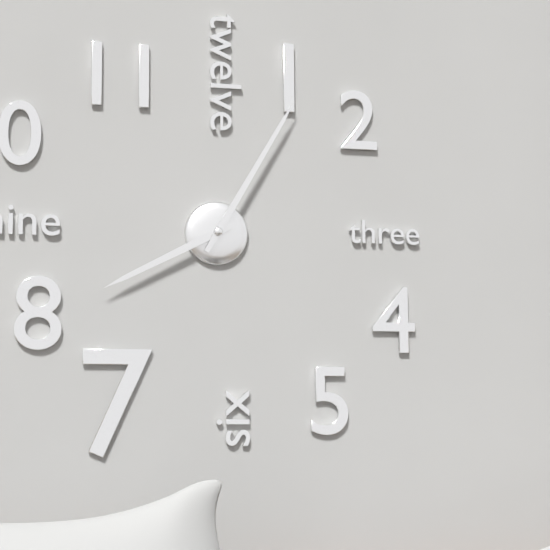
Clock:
8:05
